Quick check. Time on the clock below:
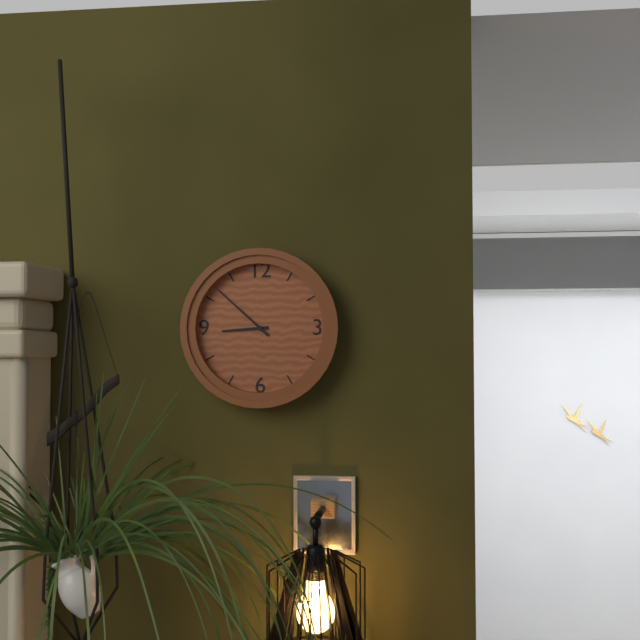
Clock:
8:52
